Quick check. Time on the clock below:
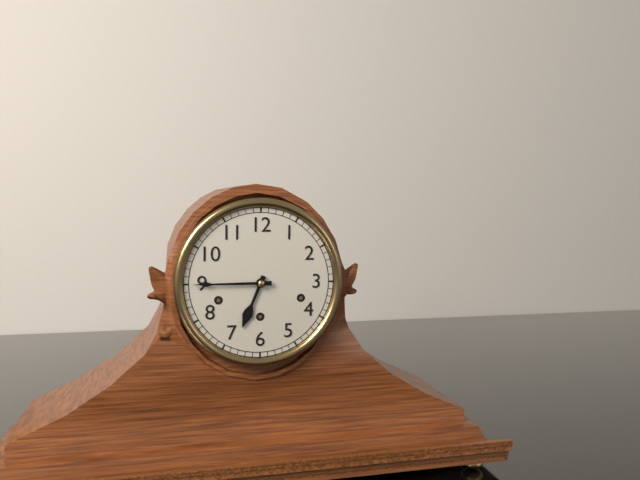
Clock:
6:45
